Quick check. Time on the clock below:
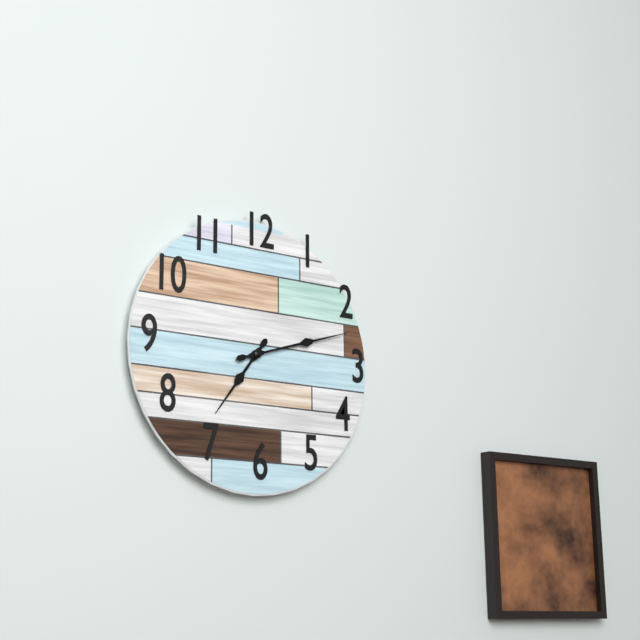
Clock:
7:12
